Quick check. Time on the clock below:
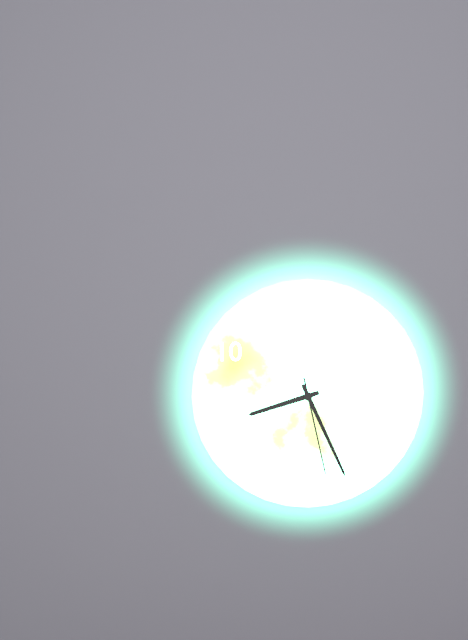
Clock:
8:26:28
